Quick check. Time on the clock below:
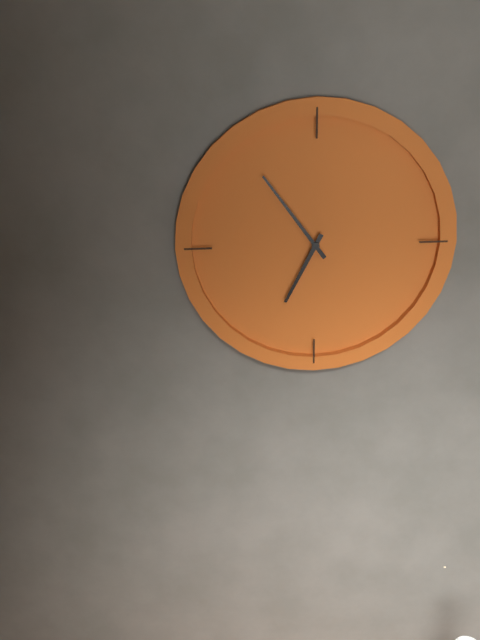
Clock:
6:54
